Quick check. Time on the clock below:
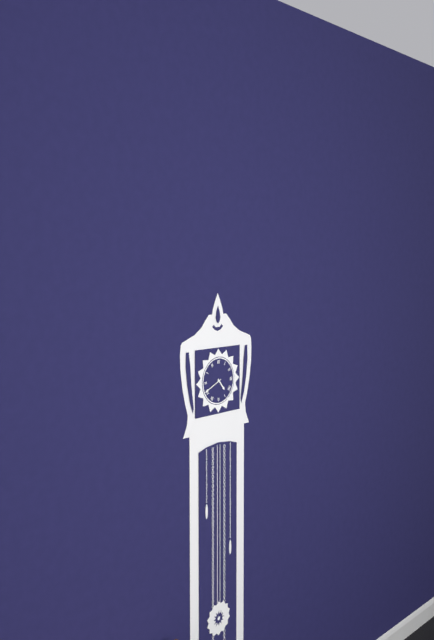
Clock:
4:41
